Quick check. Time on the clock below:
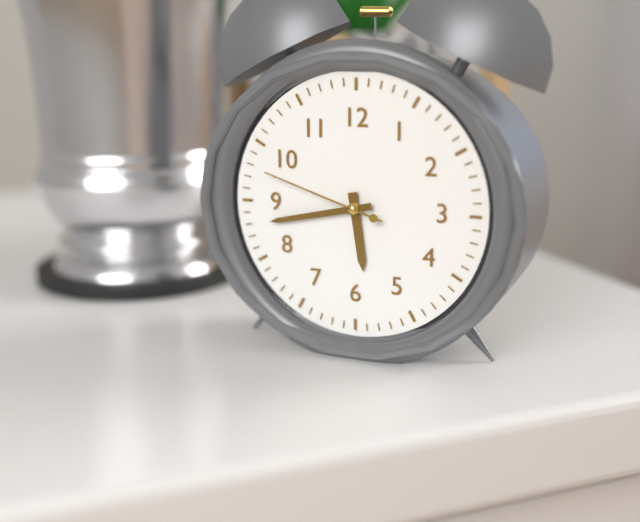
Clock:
5:43:48
